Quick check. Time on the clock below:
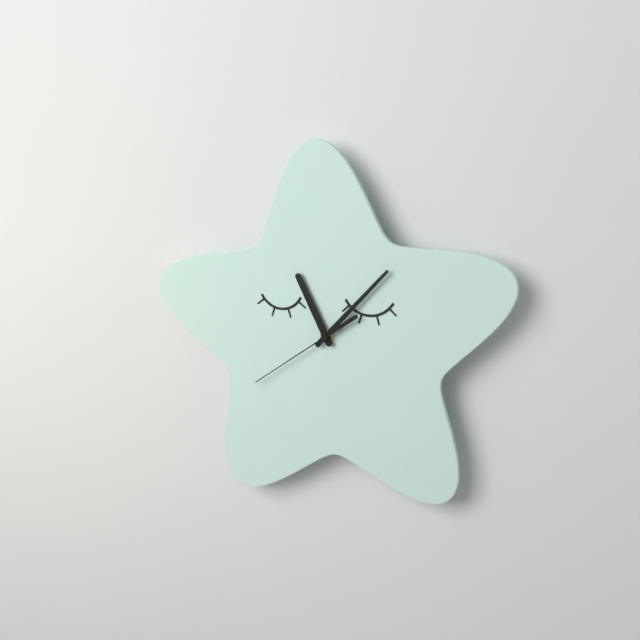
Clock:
11:07:39
